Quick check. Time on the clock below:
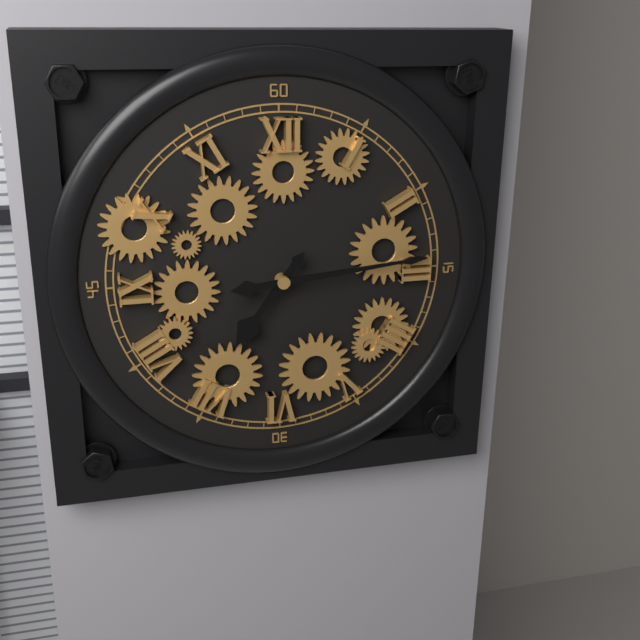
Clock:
7:14
